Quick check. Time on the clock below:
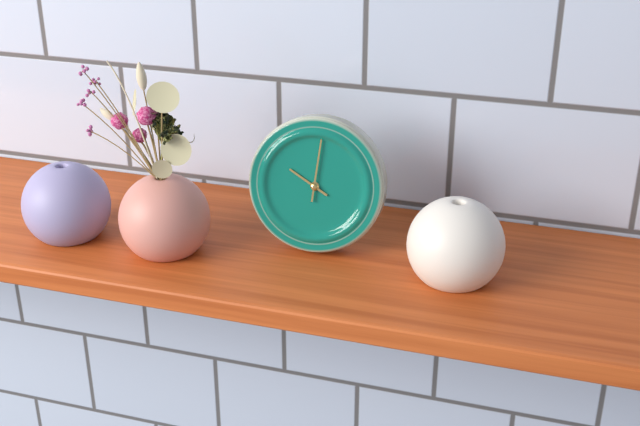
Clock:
10:01
